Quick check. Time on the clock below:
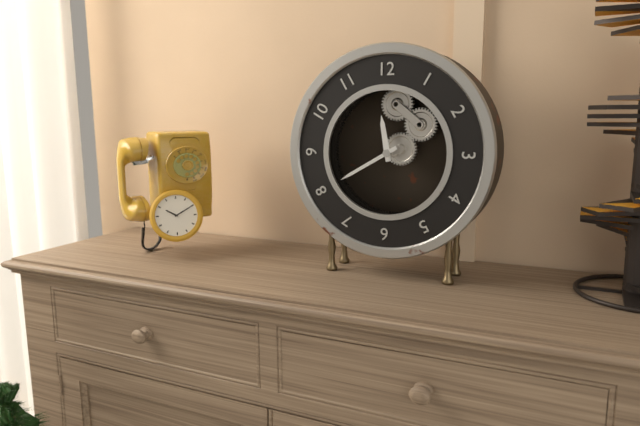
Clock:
11:40
